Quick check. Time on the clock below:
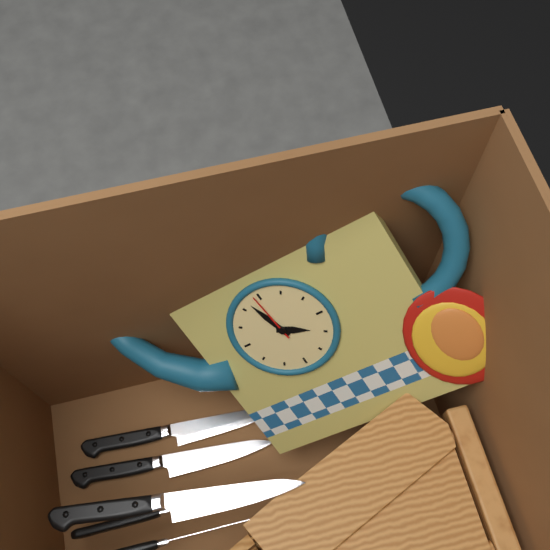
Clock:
3:57:59
